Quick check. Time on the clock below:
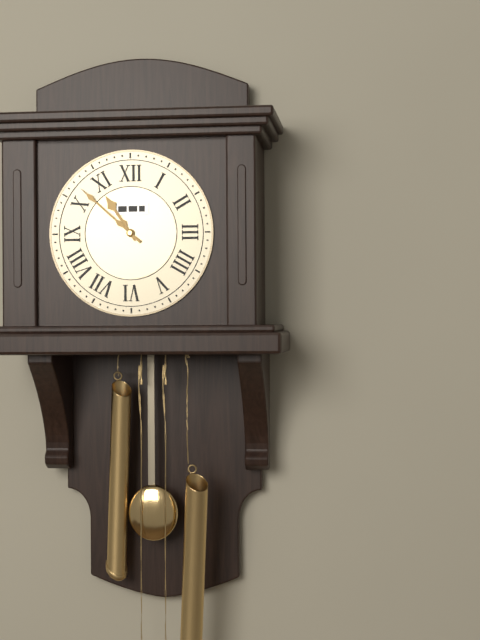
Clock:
10:52
